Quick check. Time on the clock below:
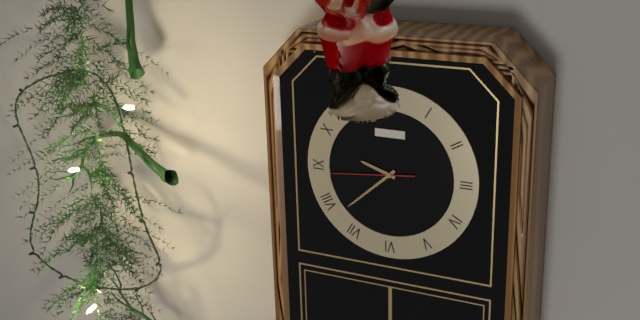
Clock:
9:38:44
